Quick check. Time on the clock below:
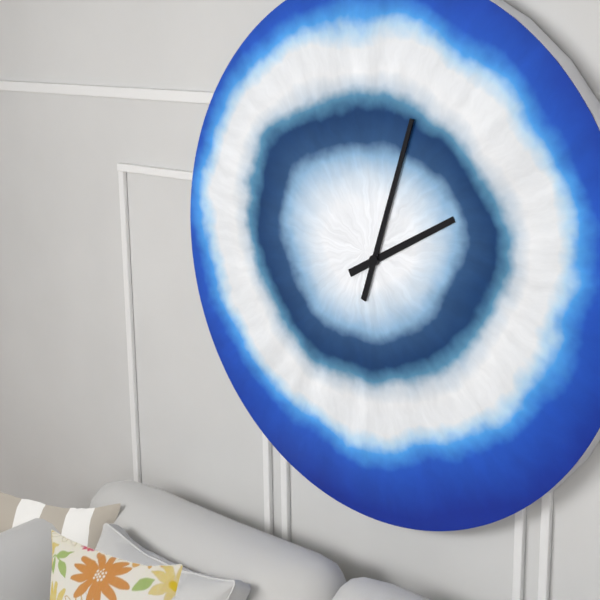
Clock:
2:03
